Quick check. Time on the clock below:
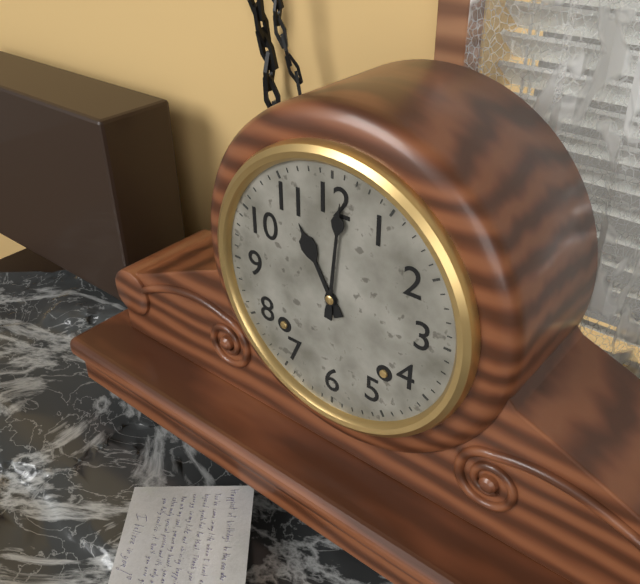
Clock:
11:01
